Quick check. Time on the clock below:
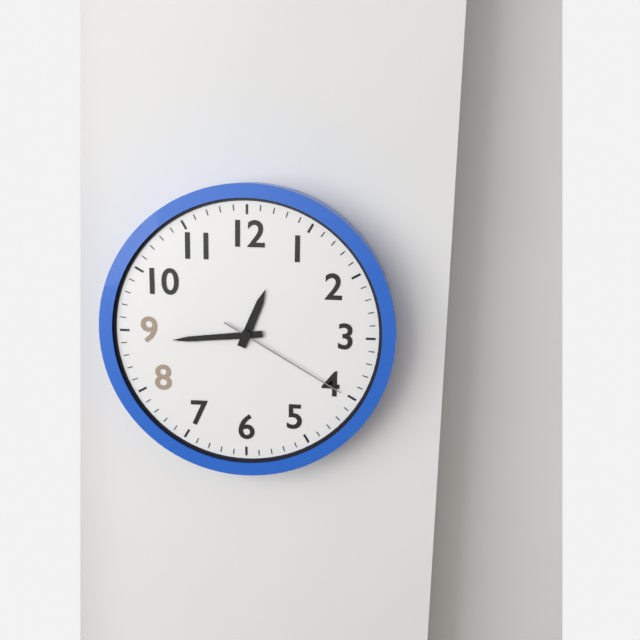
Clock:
12:44:20
